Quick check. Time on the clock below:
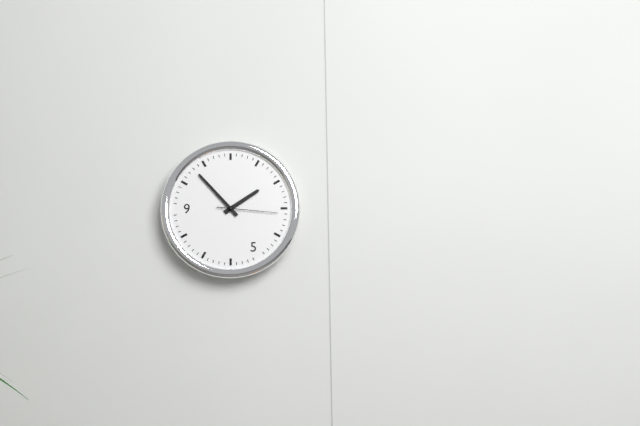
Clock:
1:53:16
